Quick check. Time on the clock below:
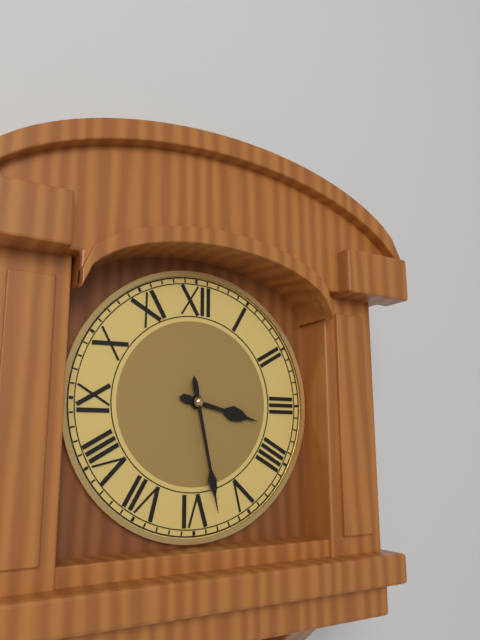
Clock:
3:28
